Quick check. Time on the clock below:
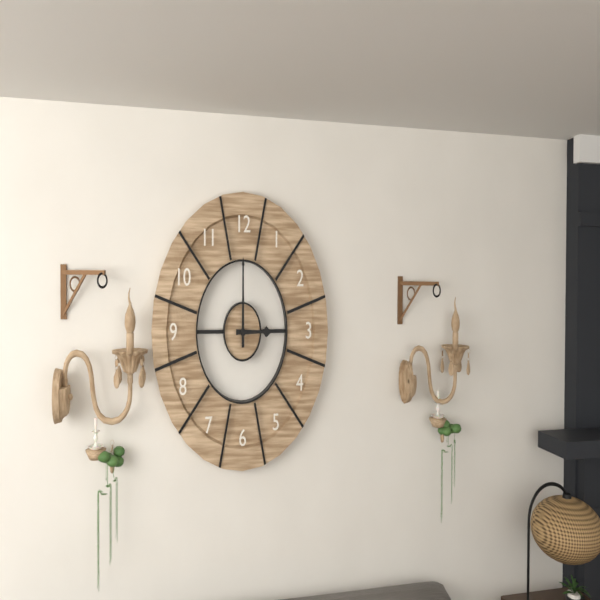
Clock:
3:00
